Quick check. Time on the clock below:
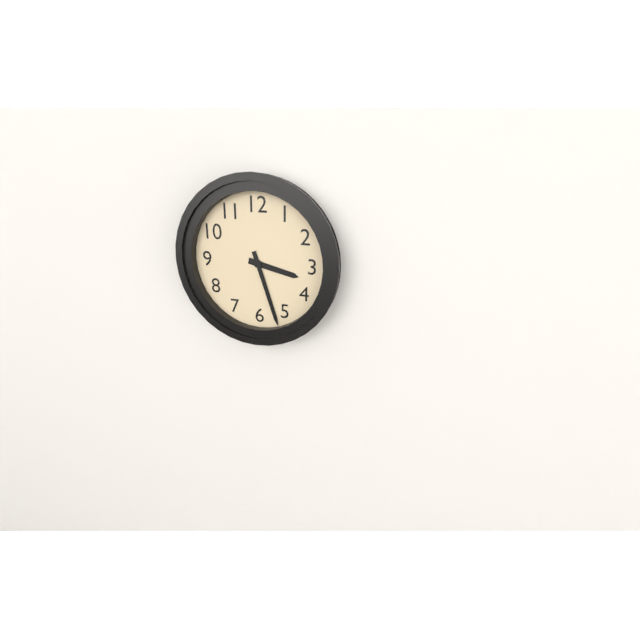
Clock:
3:27
